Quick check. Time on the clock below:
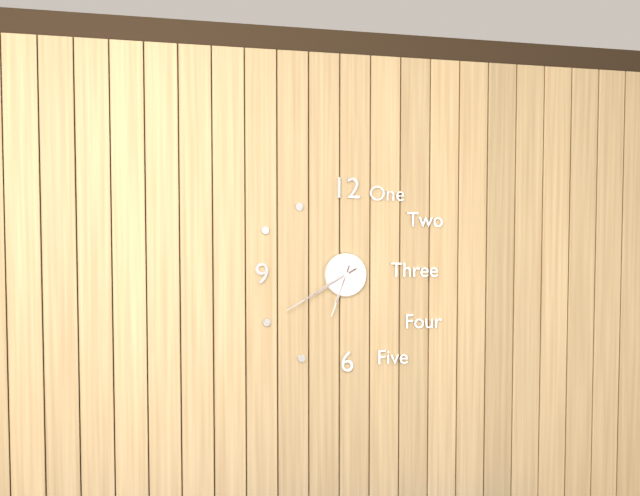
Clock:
6:40
